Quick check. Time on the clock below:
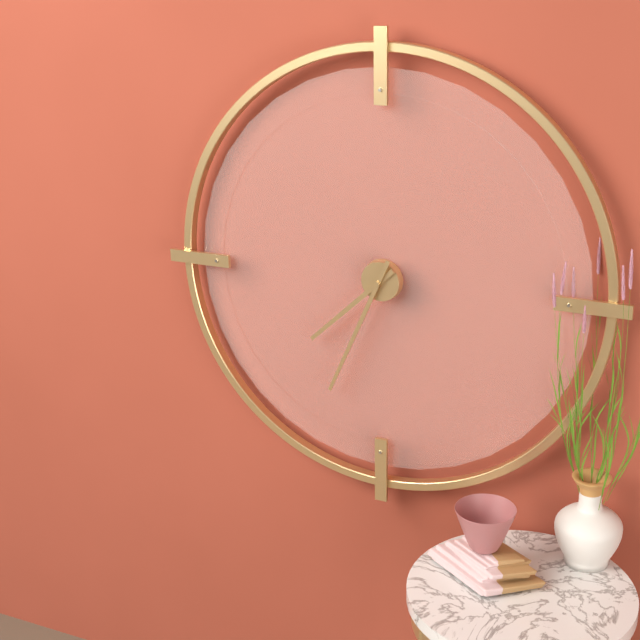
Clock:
7:34
